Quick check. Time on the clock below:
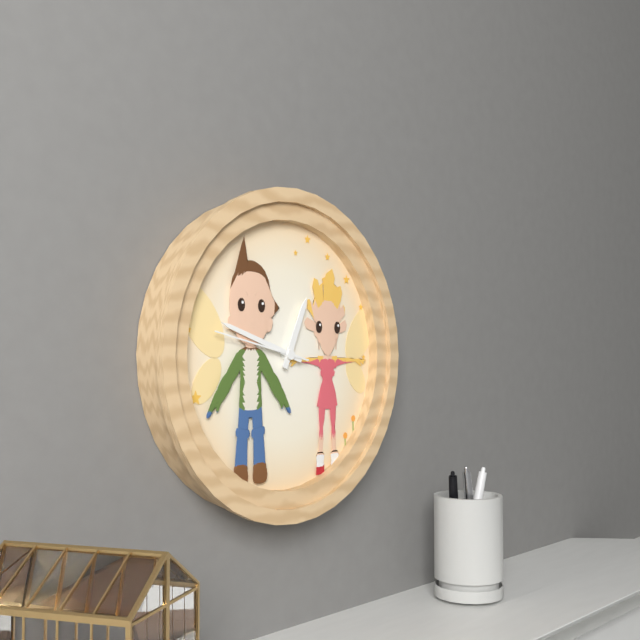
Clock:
12:48:47
